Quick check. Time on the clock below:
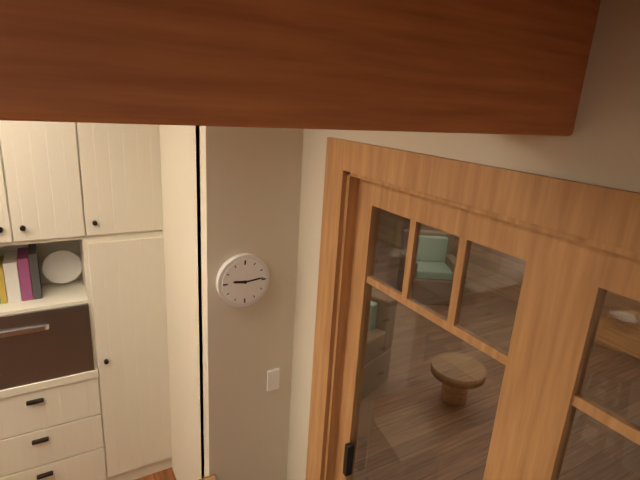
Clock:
9:14
